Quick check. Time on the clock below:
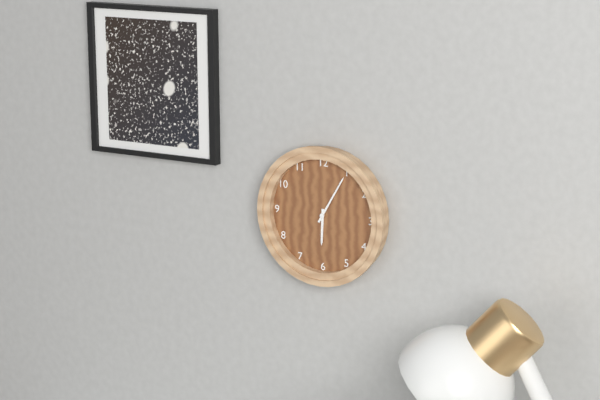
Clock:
6:05
